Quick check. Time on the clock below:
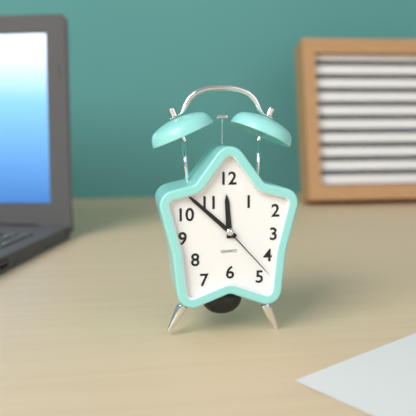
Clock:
11:52:23
